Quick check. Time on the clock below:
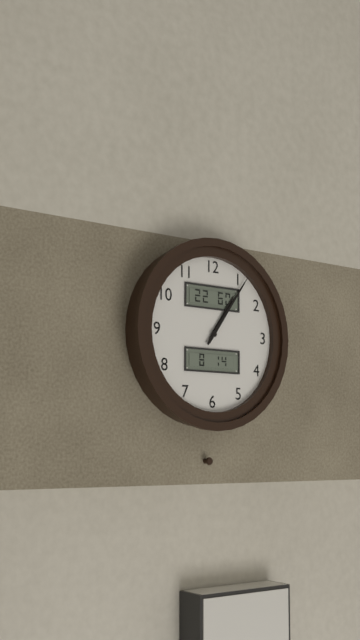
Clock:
1:06
